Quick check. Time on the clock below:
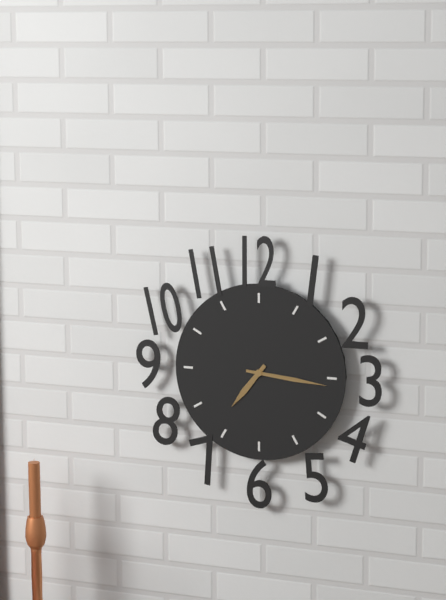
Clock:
7:16
